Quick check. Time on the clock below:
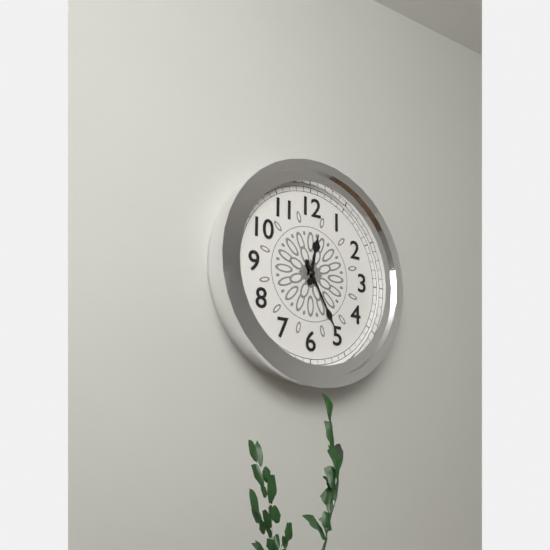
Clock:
12:25
